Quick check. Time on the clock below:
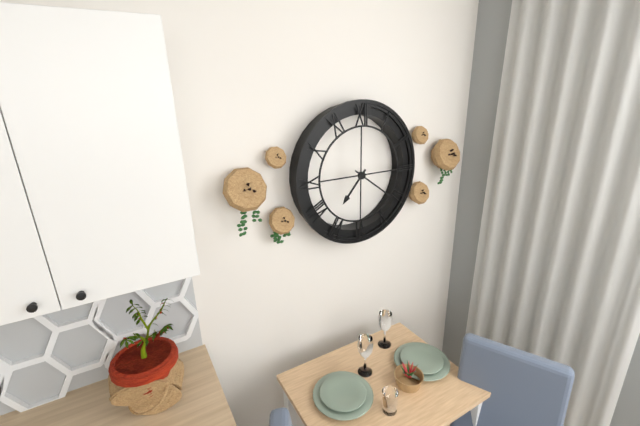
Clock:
7:21
